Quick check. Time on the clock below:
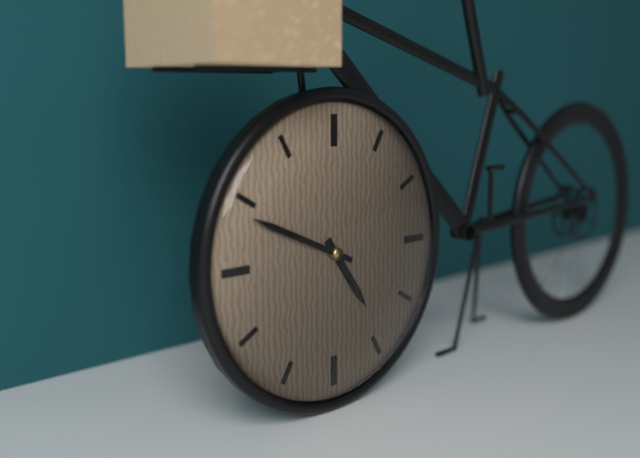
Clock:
4:49
